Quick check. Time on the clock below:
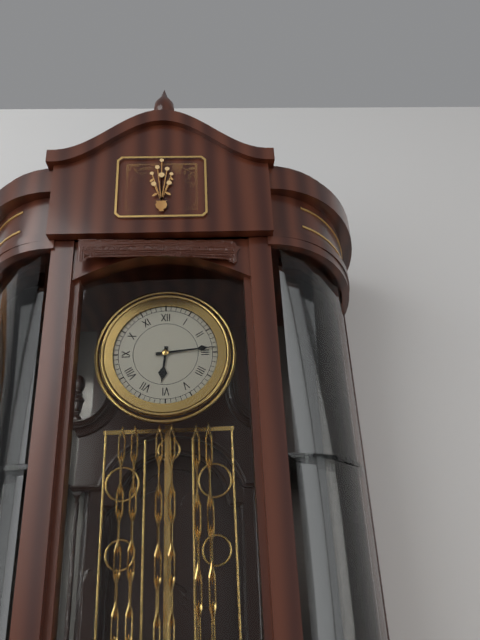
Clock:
6:14
